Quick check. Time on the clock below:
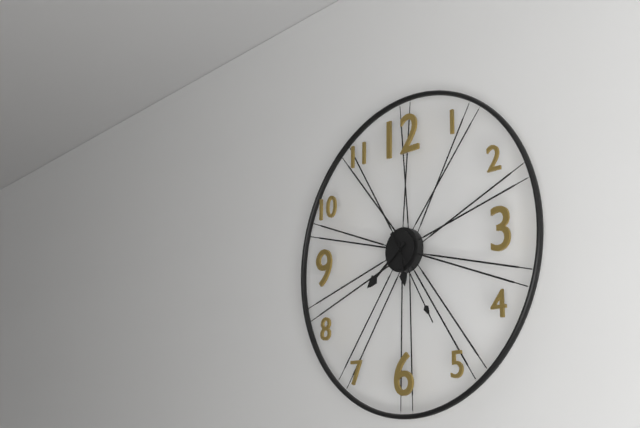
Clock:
5:39:25
